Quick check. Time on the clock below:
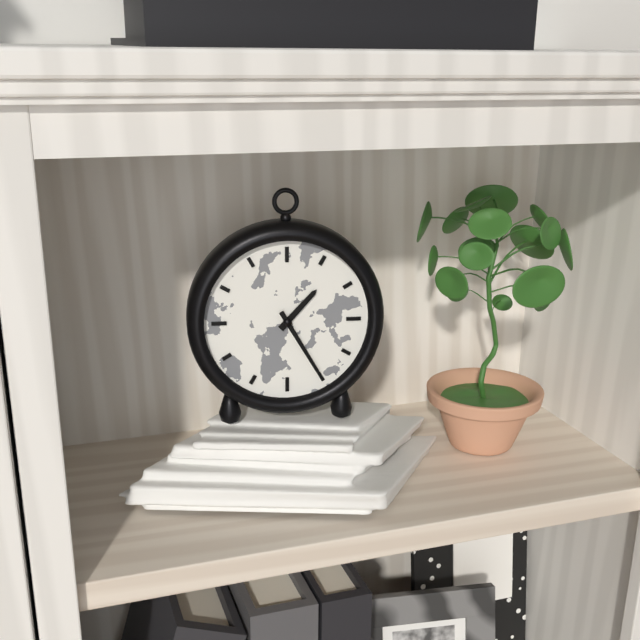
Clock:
1:25
